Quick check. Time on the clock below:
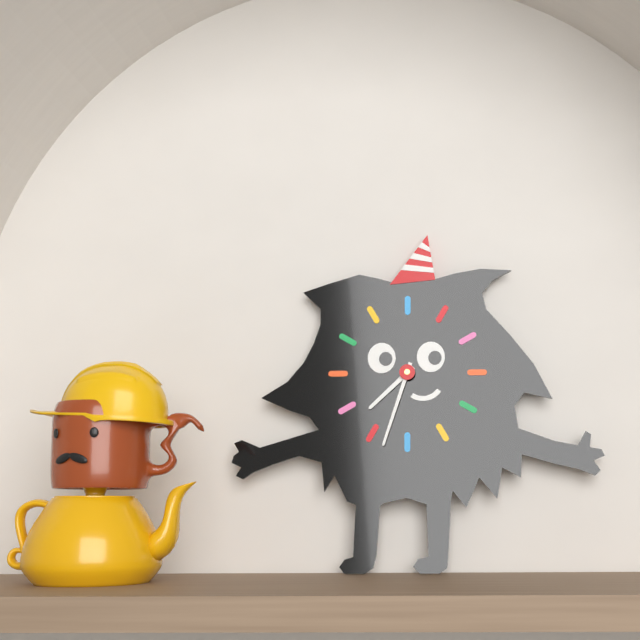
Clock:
7:33
